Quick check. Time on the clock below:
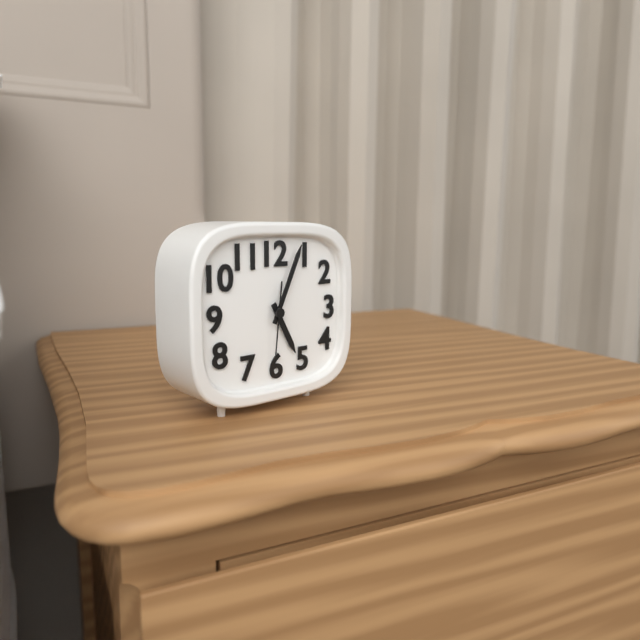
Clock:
5:04:31
